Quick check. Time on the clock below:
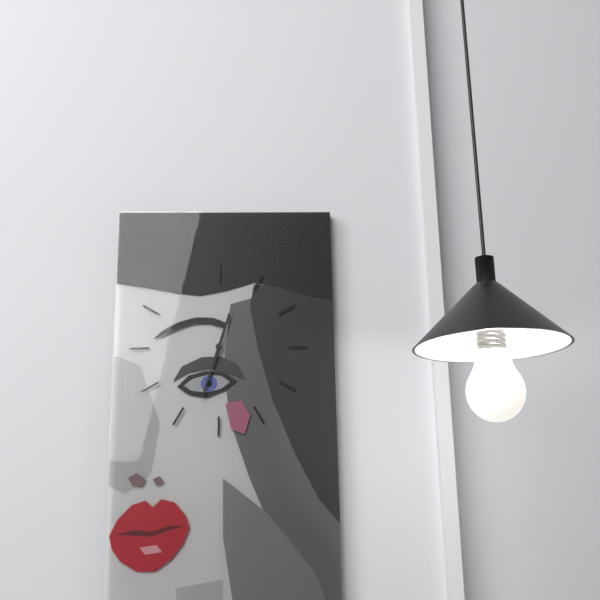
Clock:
12:33
